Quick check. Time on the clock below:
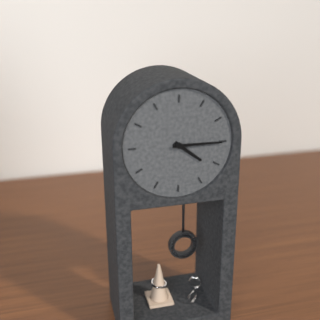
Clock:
4:15
